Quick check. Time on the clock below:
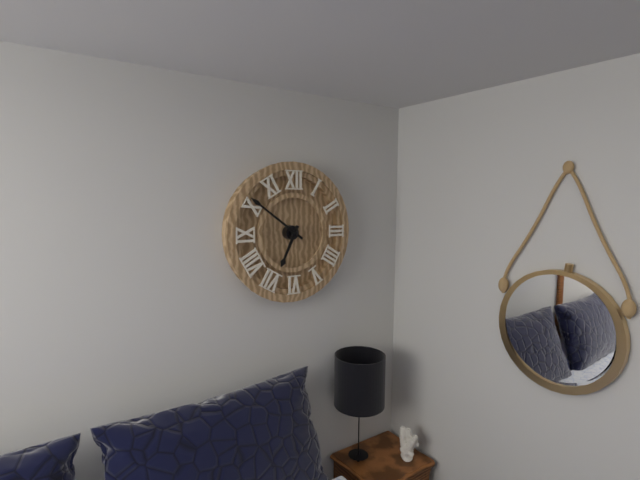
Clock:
6:51
